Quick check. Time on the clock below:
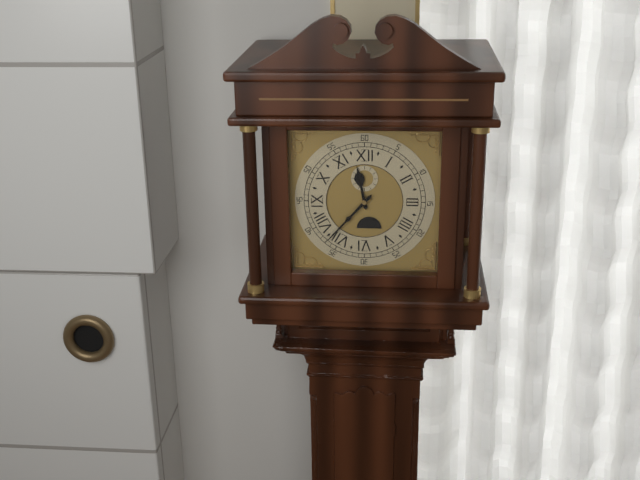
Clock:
11:37
